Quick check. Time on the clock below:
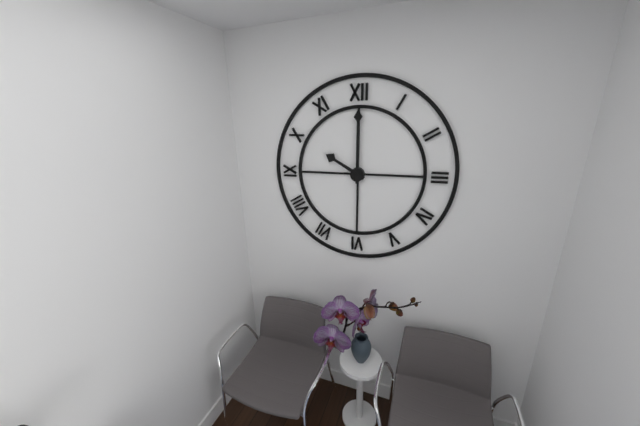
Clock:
10:00
